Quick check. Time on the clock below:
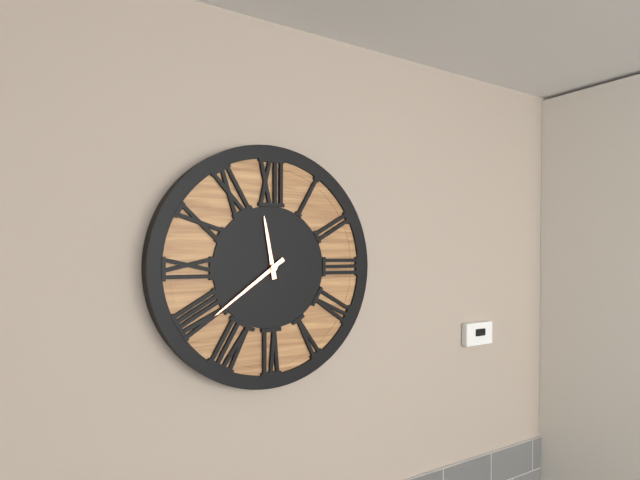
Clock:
11:39
